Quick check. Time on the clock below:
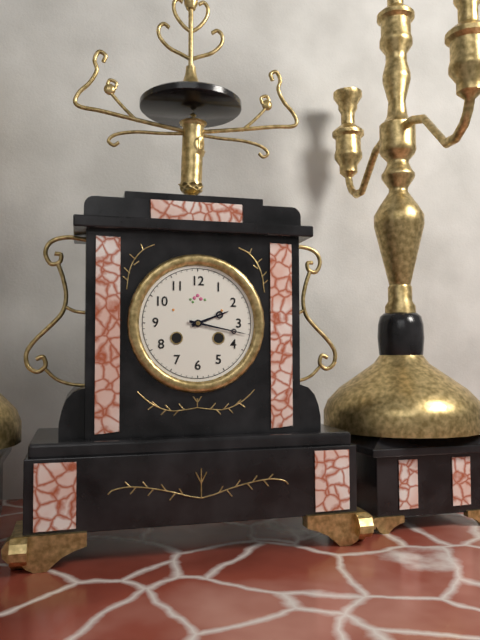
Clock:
2:17
